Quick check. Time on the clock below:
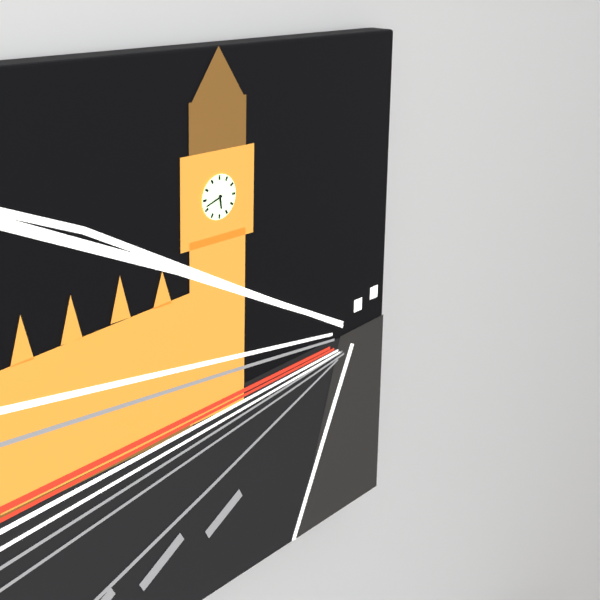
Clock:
5:42
